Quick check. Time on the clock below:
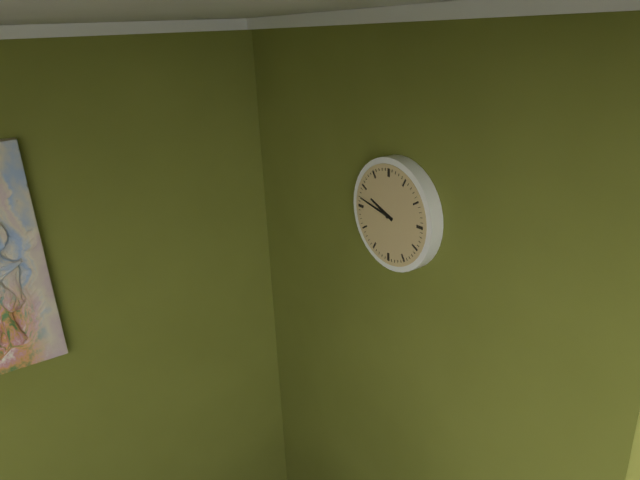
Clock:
9:47
